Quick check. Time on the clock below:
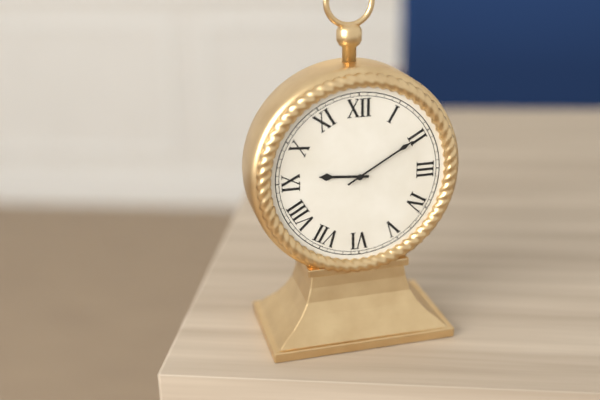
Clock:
9:10
